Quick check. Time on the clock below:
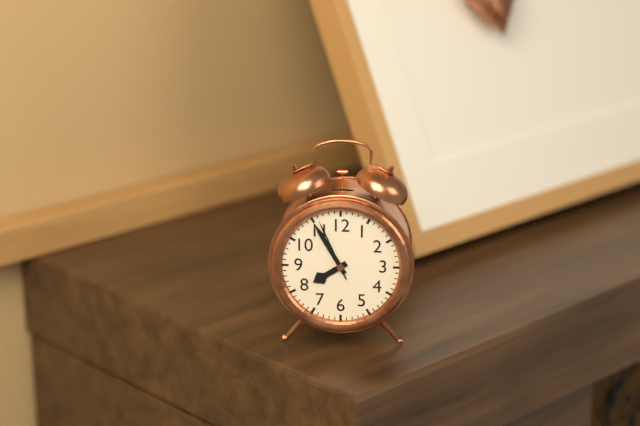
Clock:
7:55:56
